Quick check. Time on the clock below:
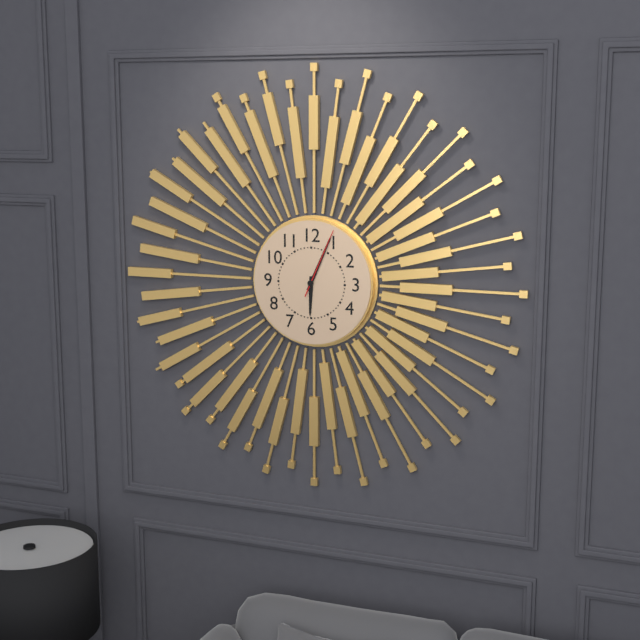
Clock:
6:04:04
